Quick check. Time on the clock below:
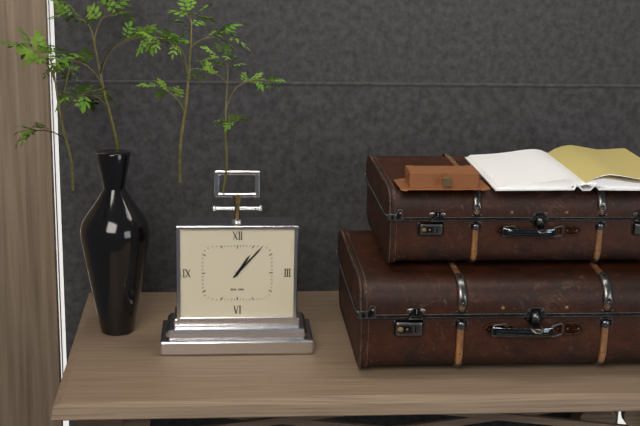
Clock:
1:07
